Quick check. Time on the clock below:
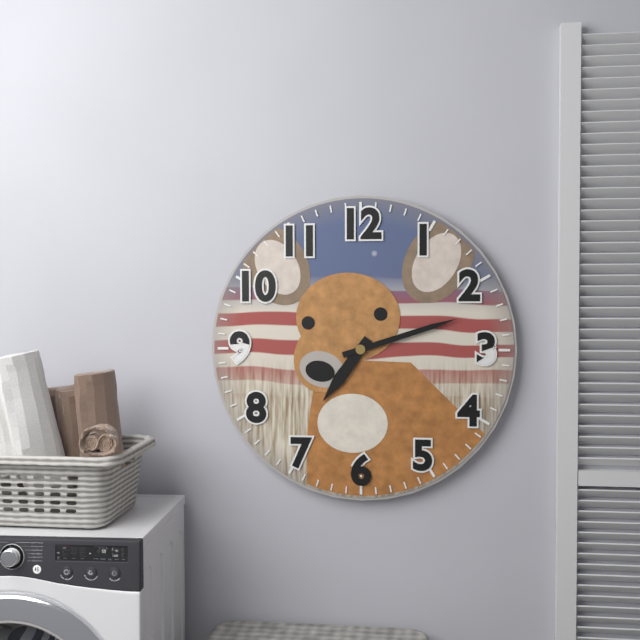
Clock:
7:12
